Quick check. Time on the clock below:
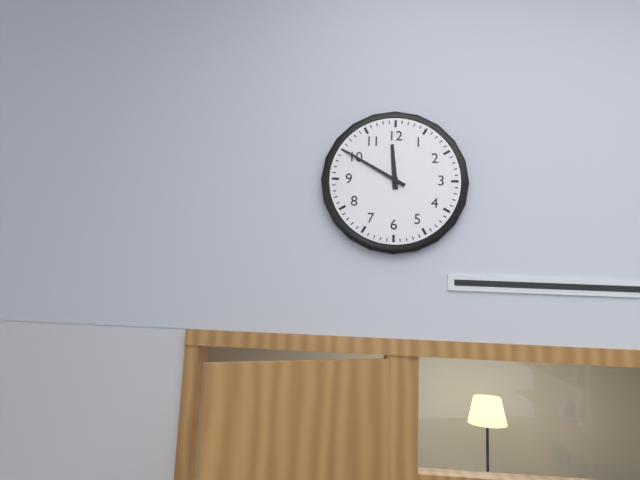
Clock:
11:50
